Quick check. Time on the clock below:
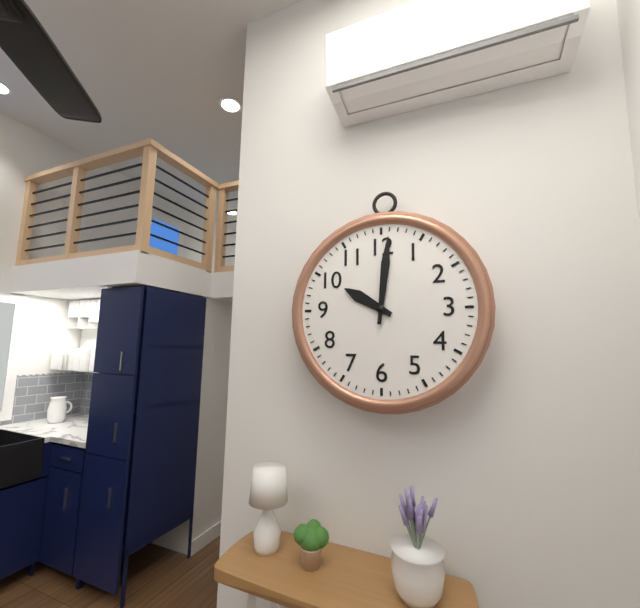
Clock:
10:01
